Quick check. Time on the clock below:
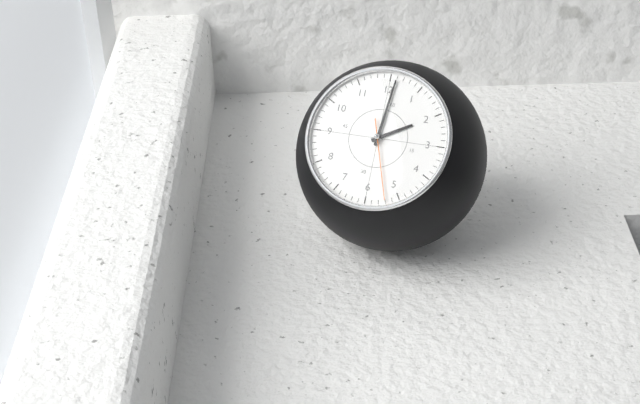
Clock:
2:01:27
